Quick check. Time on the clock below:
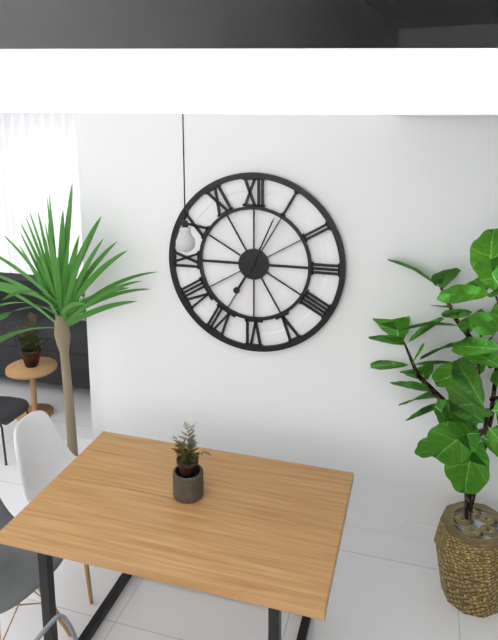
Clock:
7:04
